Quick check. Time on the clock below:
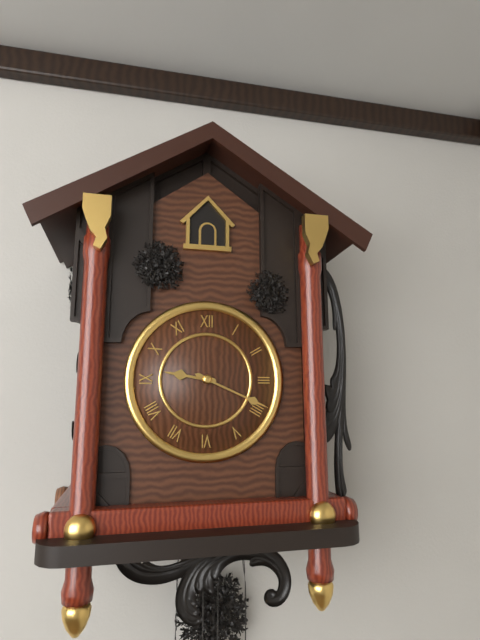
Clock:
9:19
